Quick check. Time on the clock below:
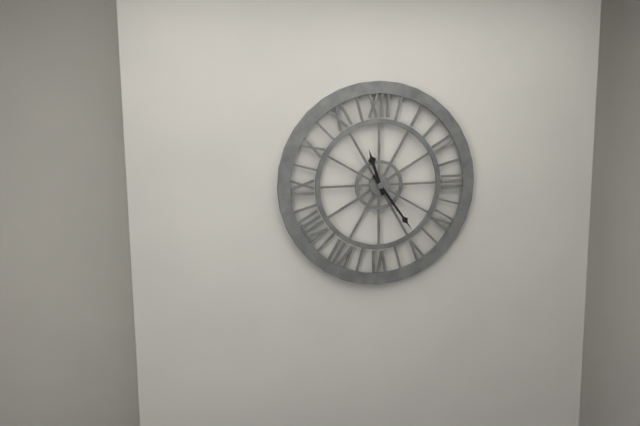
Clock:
11:24
